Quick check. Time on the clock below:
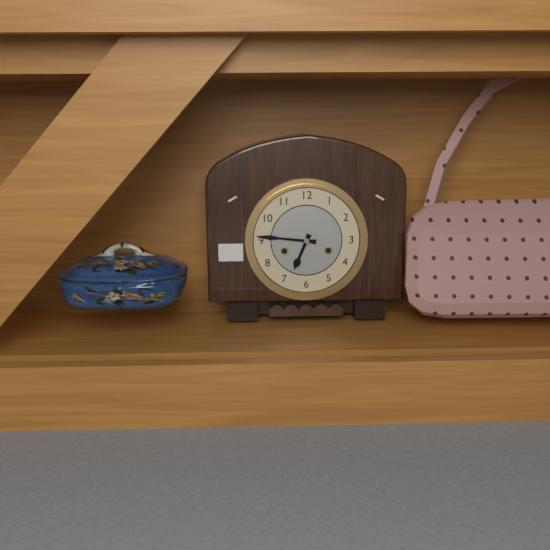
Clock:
6:46
